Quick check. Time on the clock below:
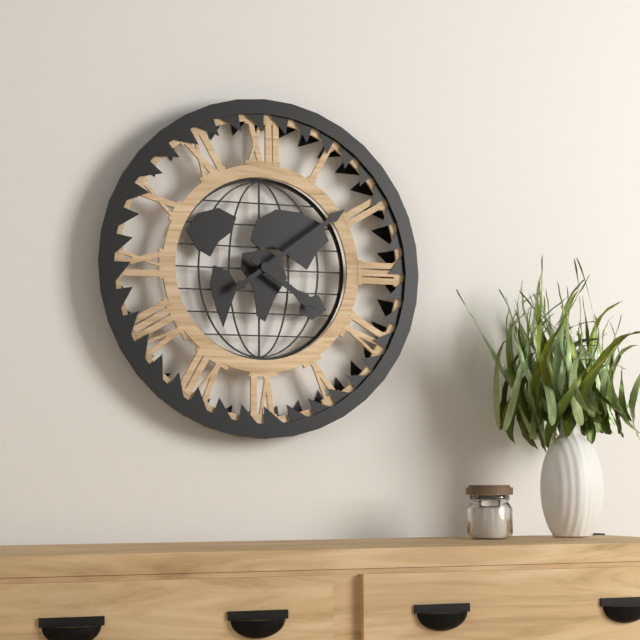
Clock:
4:09
